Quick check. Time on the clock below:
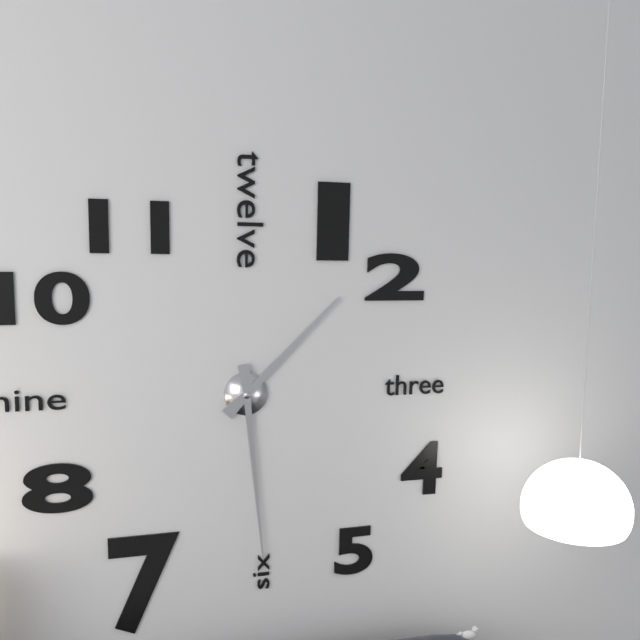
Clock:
1:29
